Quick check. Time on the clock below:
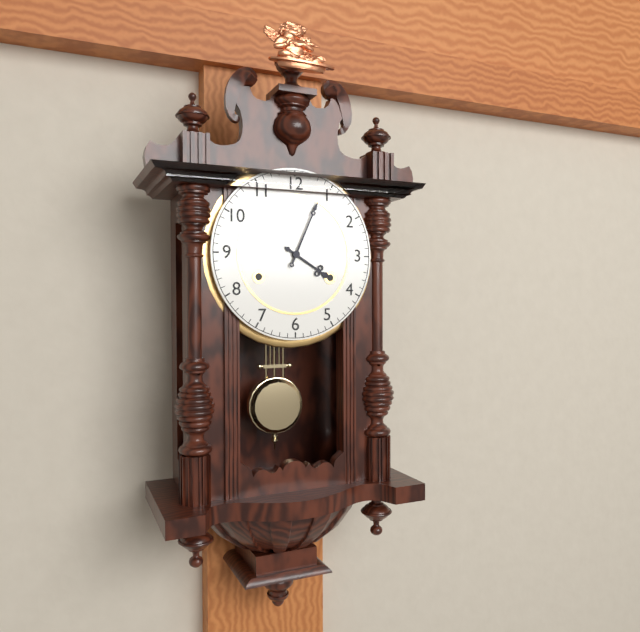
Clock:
4:04
